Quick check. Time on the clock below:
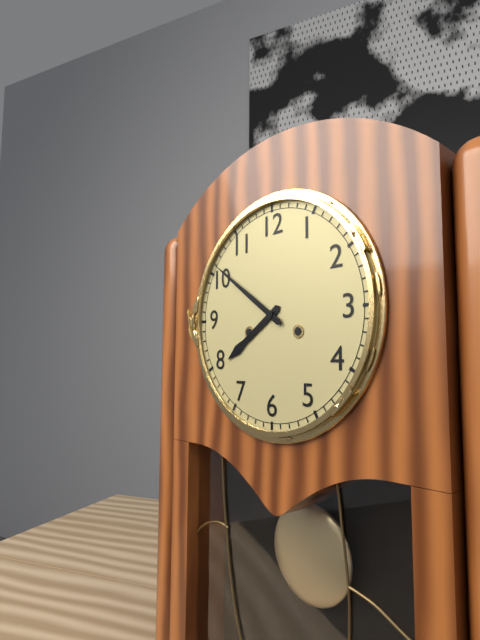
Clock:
7:51
